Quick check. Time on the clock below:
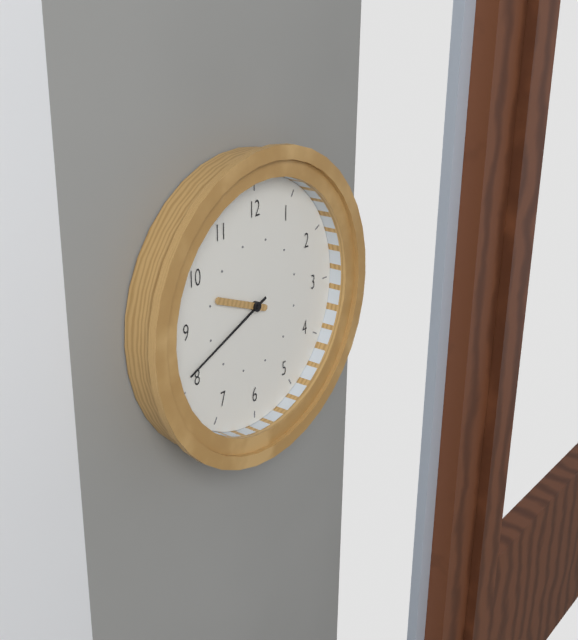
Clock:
9:41
